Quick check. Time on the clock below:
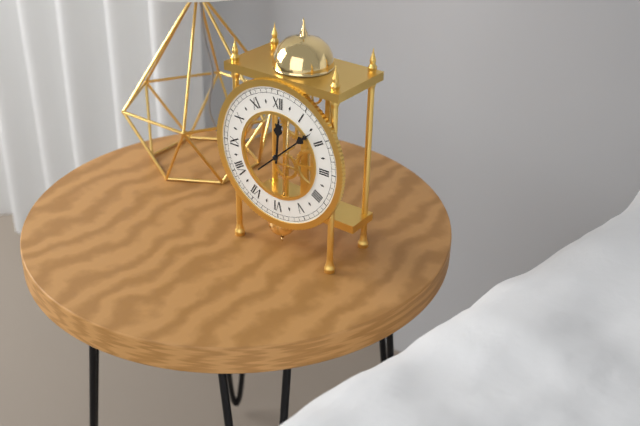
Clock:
12:08
